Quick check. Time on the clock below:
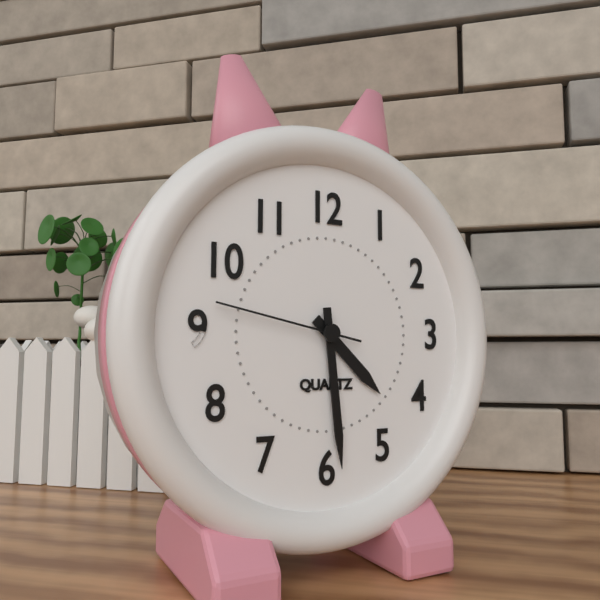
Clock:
4:29:47
